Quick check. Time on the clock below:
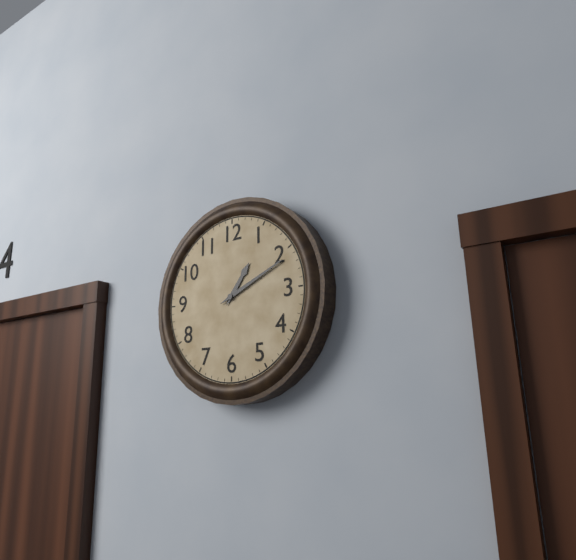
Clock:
1:11
